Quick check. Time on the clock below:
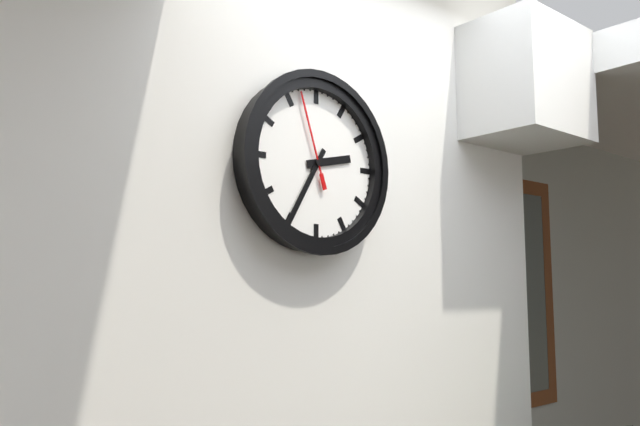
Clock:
2:35:57
